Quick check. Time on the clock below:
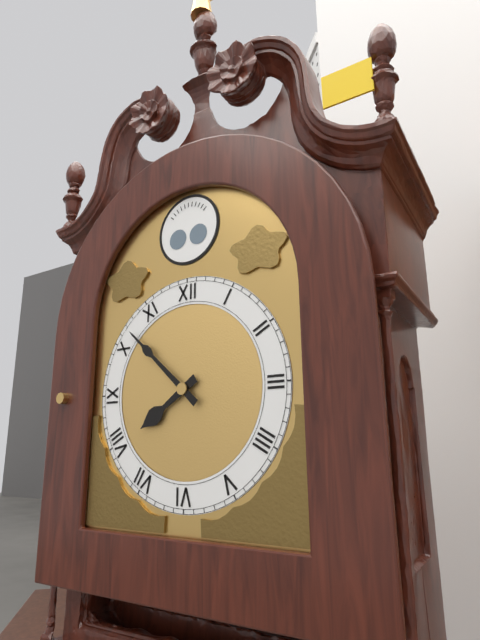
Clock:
7:52
